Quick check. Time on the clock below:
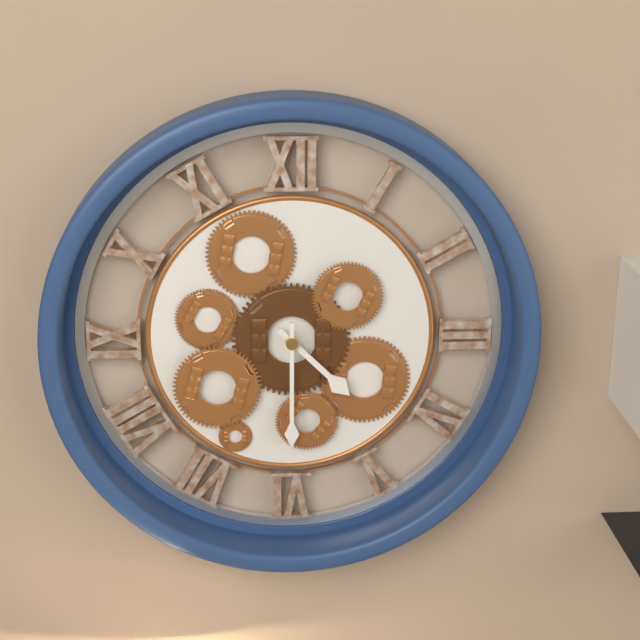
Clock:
4:30
